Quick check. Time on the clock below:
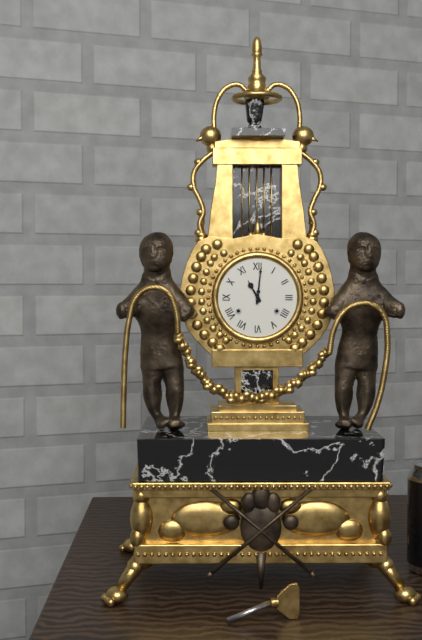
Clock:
11:01
